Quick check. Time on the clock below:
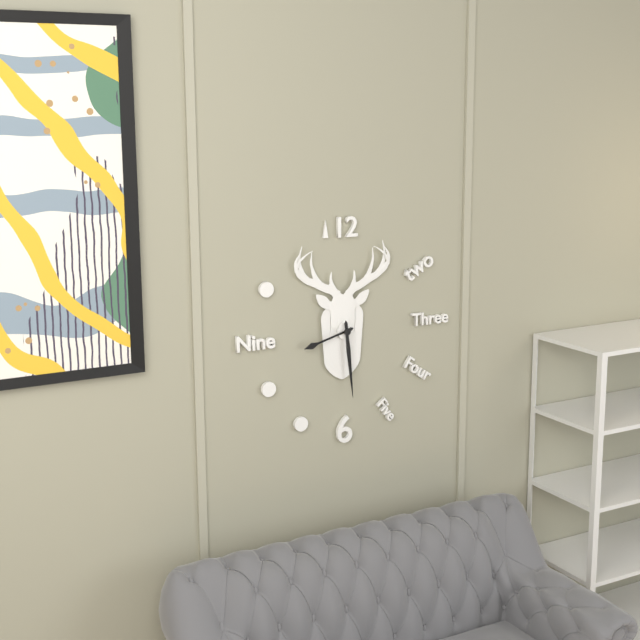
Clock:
8:29
